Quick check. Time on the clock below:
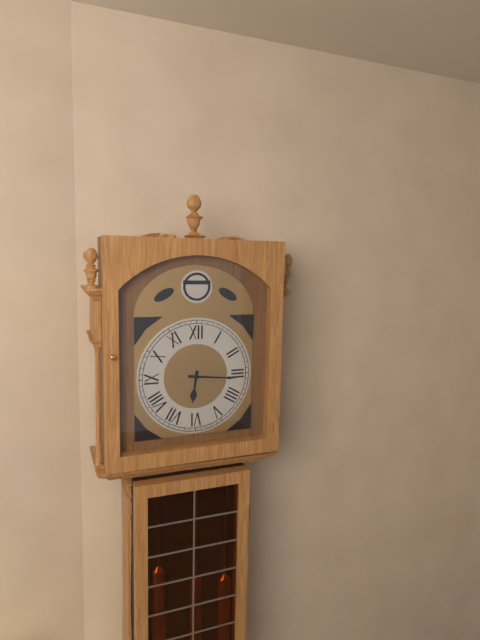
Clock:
6:16
